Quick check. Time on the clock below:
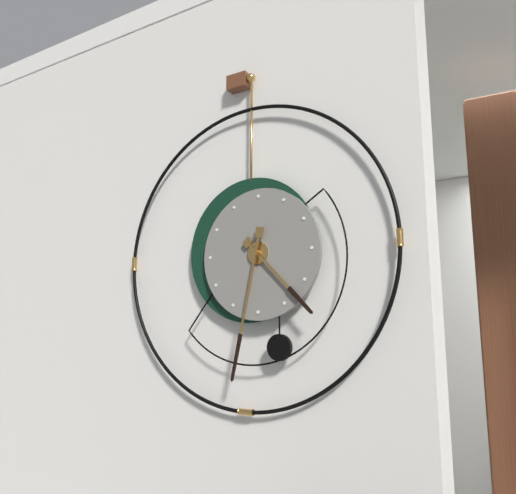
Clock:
4:32
